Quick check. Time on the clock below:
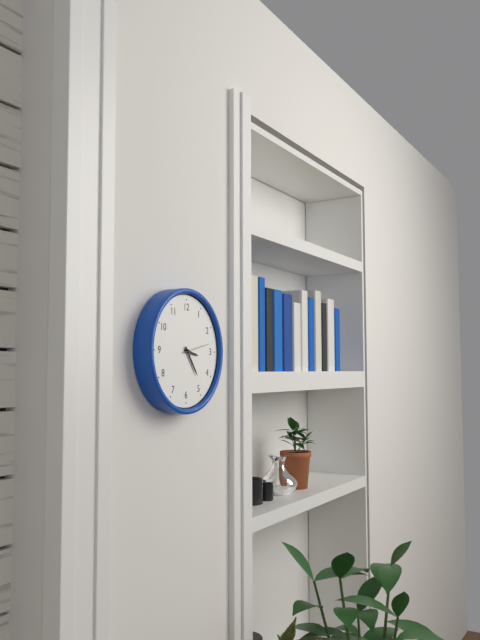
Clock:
3:24
